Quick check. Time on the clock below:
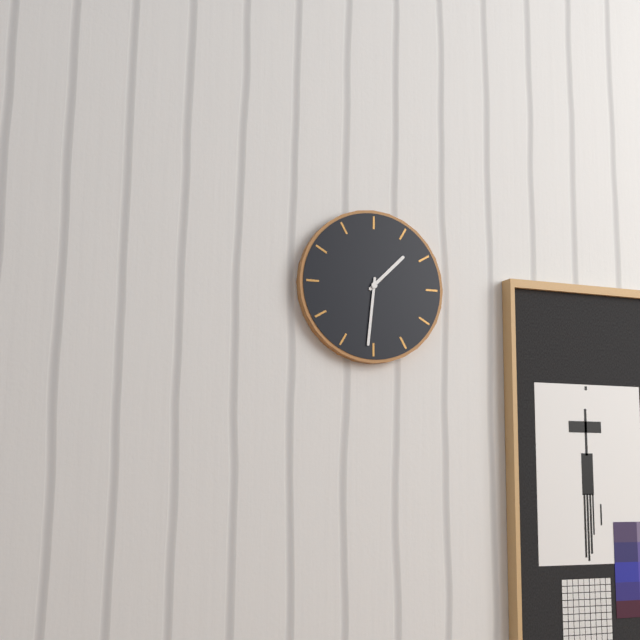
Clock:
1:31
